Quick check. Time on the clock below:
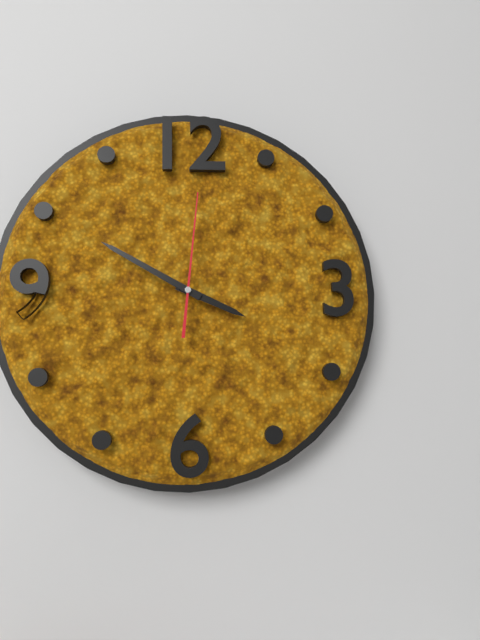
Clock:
3:50:01
